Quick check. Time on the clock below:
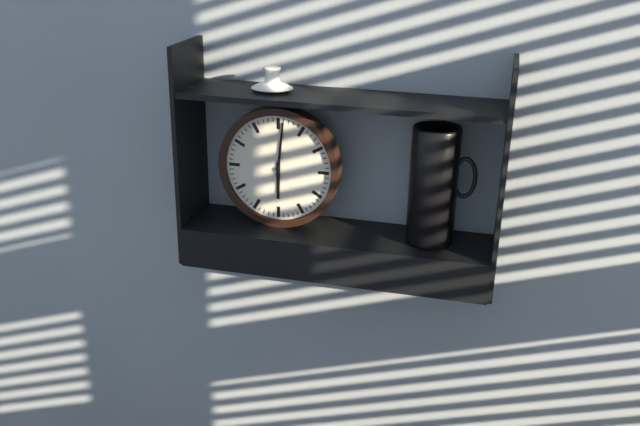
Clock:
6:01
